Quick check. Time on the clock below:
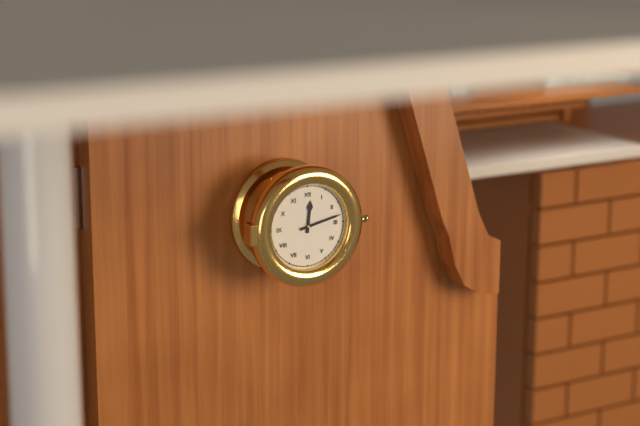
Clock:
12:13
